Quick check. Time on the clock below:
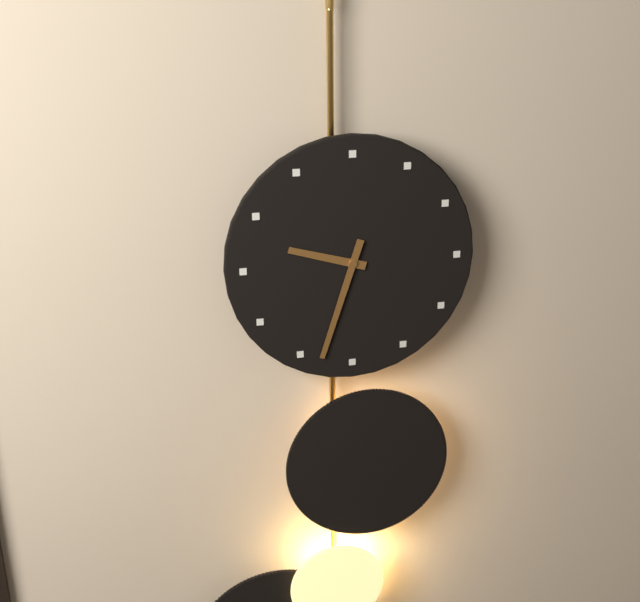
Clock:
9:33
